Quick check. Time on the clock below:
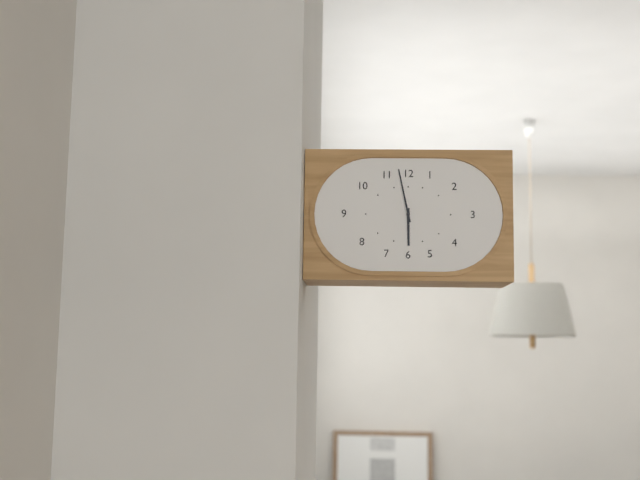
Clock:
5:58
